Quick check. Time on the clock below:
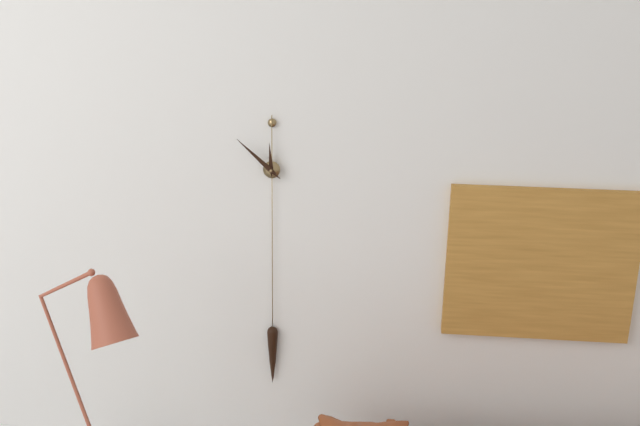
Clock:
11:52
